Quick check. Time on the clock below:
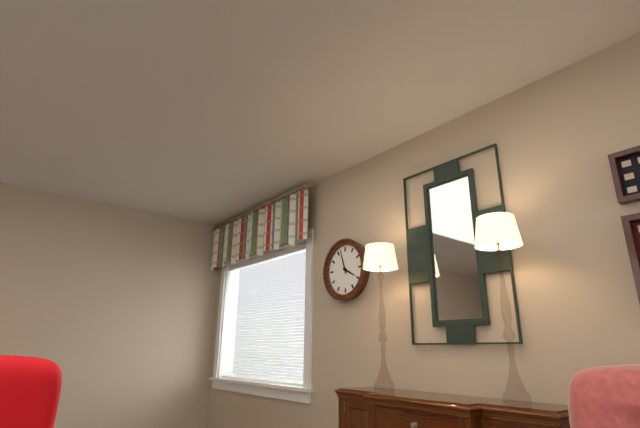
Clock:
3:57
